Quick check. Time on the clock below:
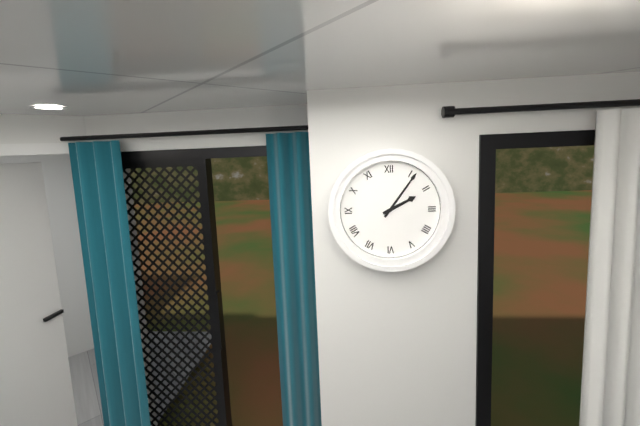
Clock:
2:06
